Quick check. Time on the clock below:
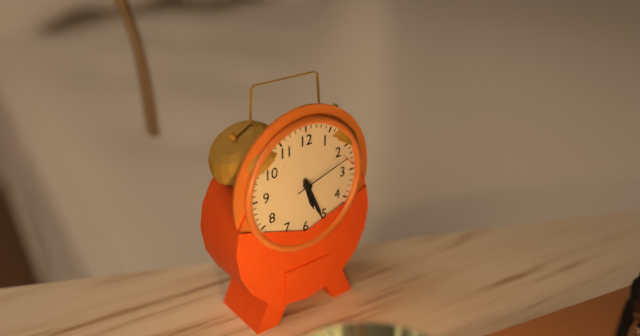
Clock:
5:26:12
